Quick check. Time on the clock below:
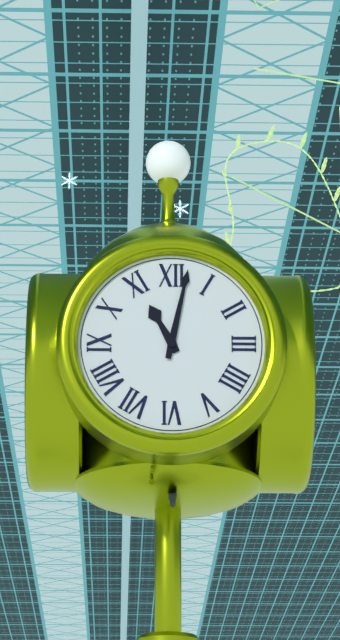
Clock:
11:02
